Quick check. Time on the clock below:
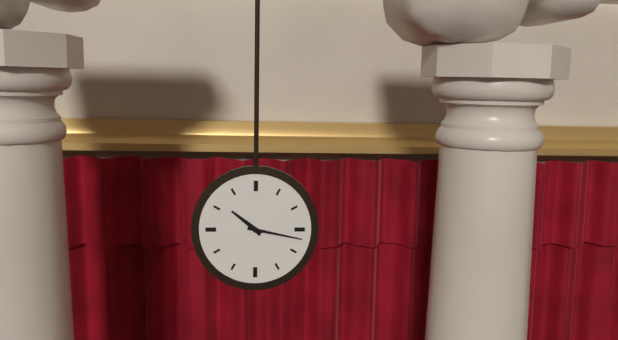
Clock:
10:17
